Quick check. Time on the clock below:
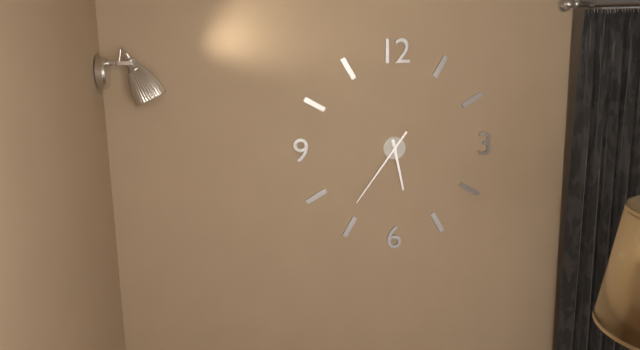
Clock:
5:36
